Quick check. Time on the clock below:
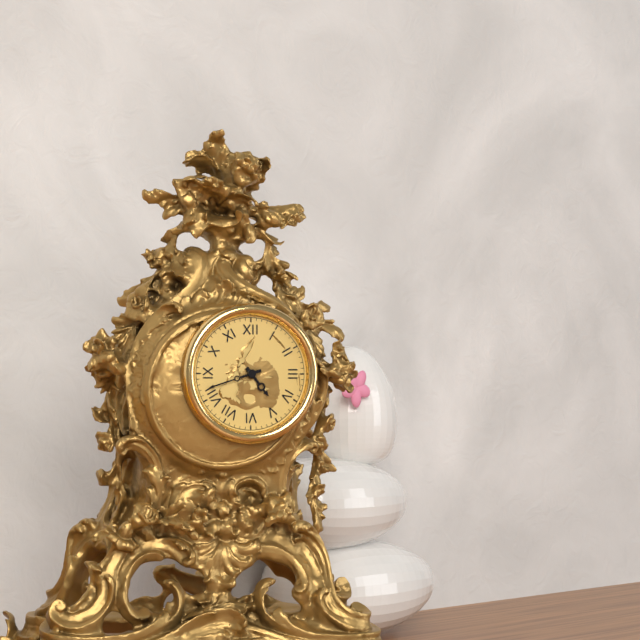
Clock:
4:42
